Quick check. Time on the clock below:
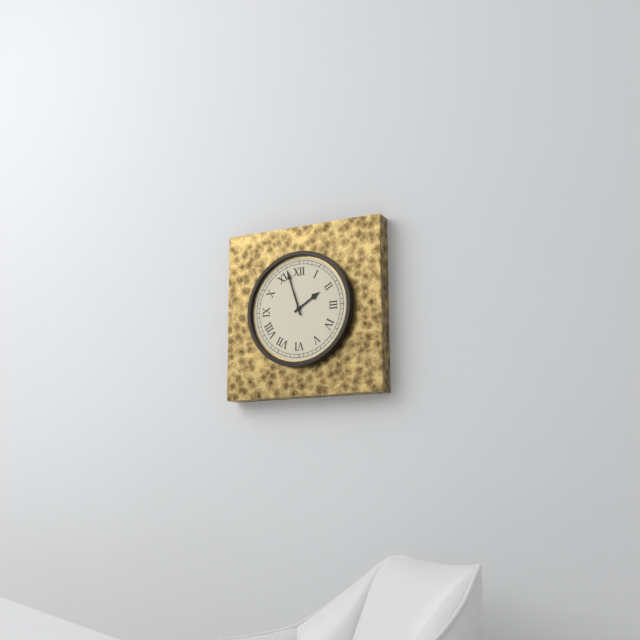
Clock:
1:57
